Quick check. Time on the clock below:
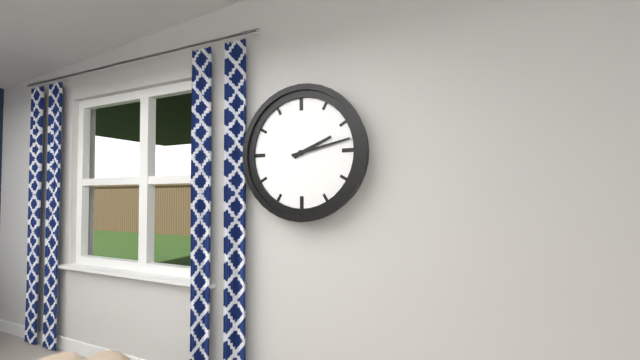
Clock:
2:13
